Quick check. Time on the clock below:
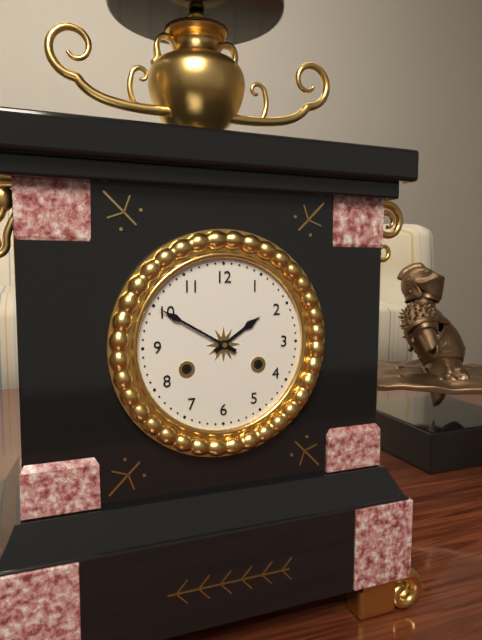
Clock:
1:50
